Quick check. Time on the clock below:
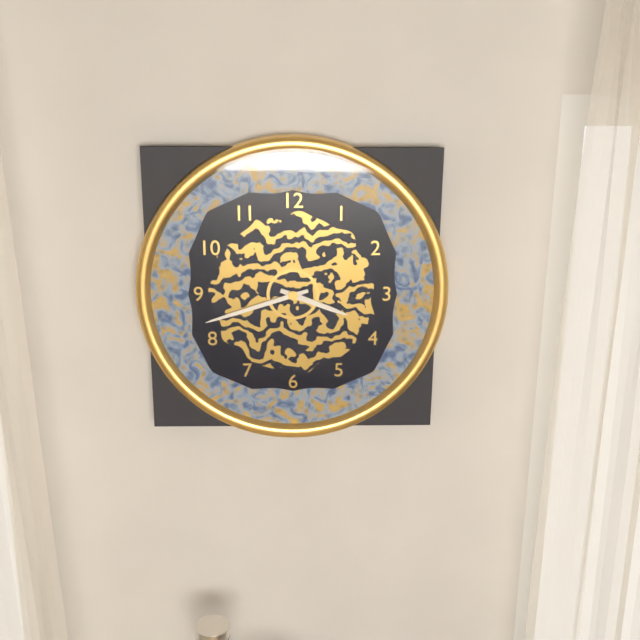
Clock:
3:42
